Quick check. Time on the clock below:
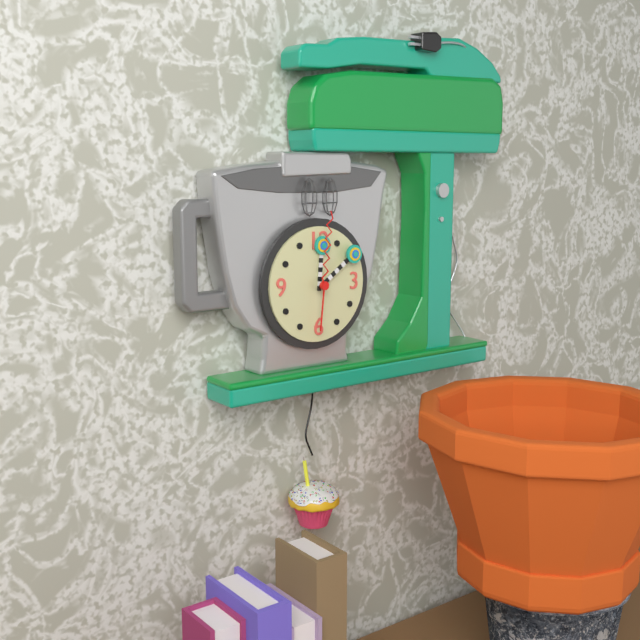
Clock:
12:09:01
